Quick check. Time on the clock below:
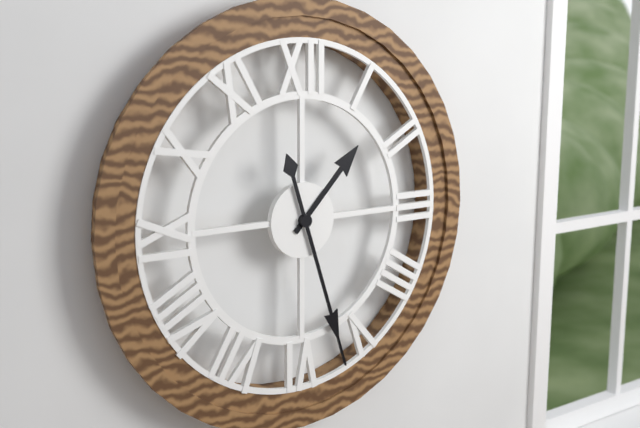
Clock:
1:27
